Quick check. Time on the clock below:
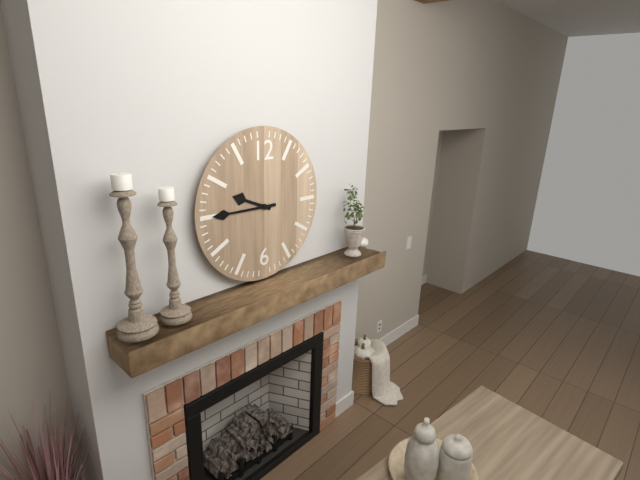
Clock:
9:45
